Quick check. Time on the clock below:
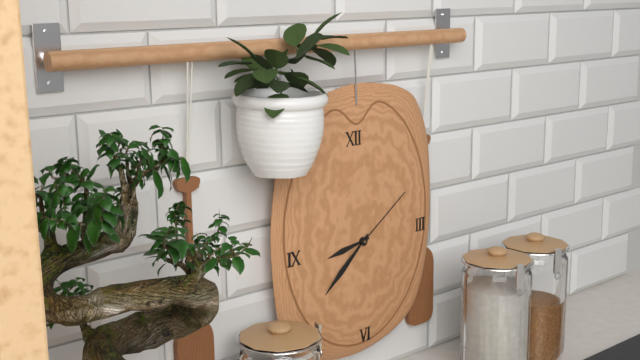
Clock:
8:38:09
